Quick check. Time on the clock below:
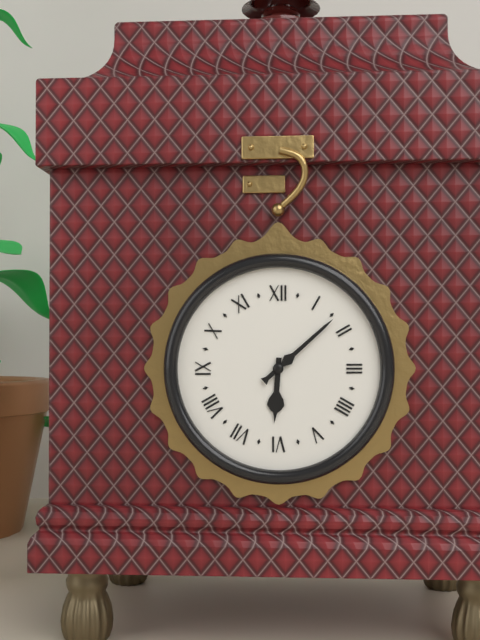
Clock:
6:08
